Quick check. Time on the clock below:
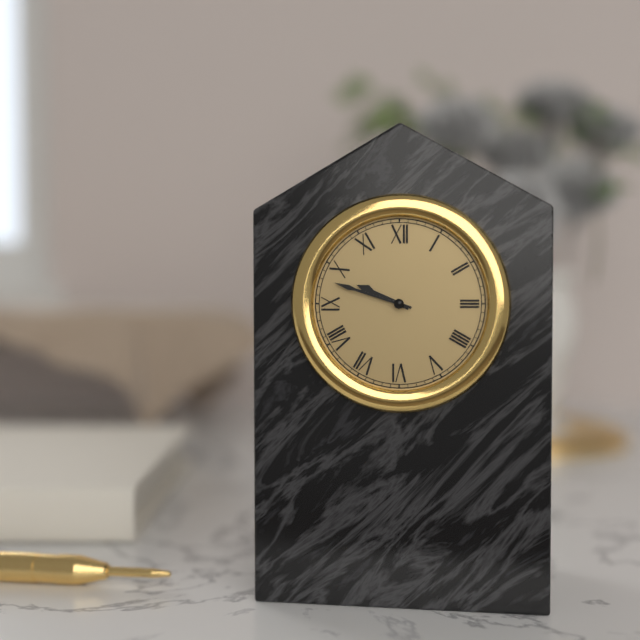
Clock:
9:48
